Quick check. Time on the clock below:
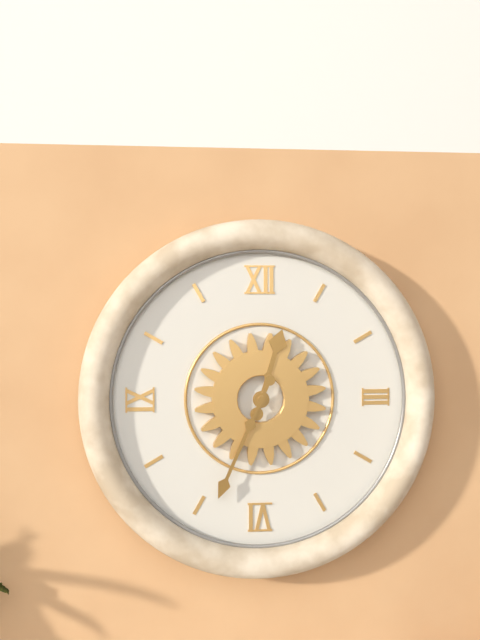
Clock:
12:34
